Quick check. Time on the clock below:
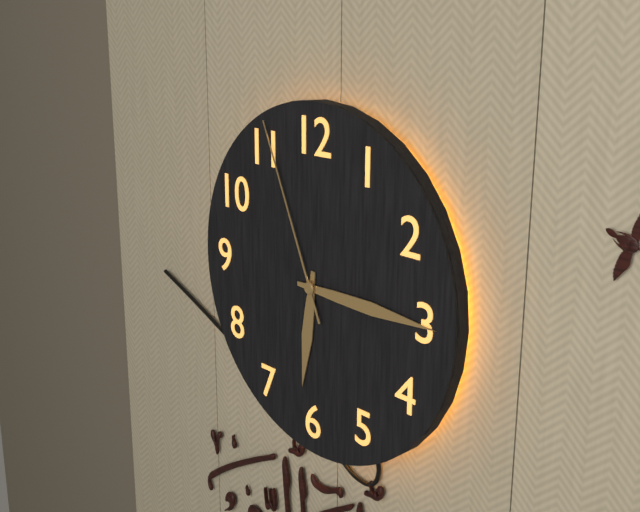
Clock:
6:15:56
